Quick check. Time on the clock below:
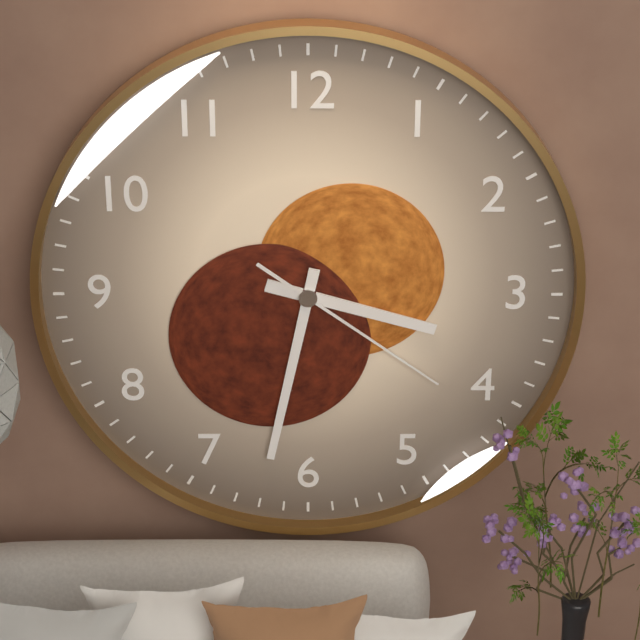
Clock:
3:32:21
